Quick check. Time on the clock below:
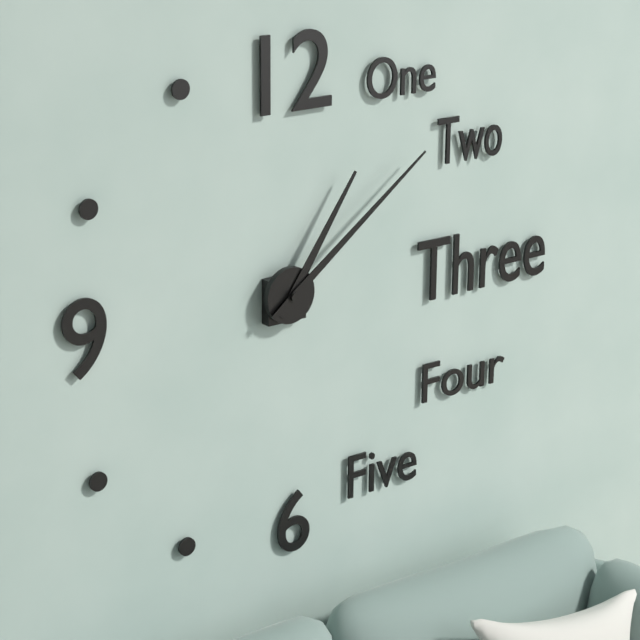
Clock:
1:09
